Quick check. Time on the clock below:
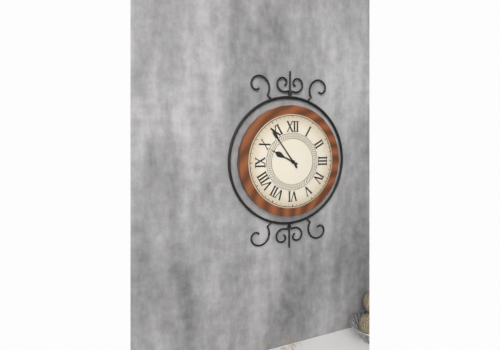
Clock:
9:54
